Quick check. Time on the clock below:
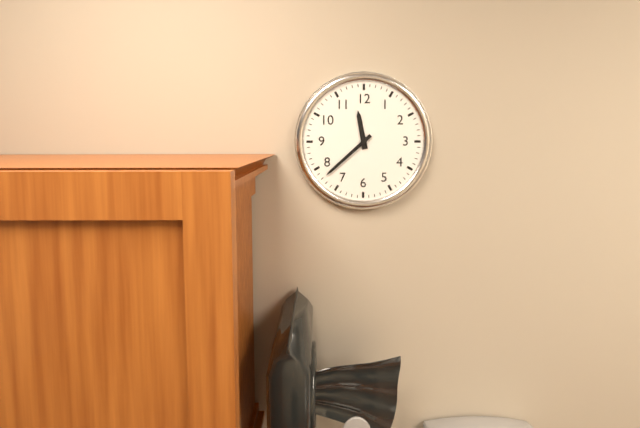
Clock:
11:38
